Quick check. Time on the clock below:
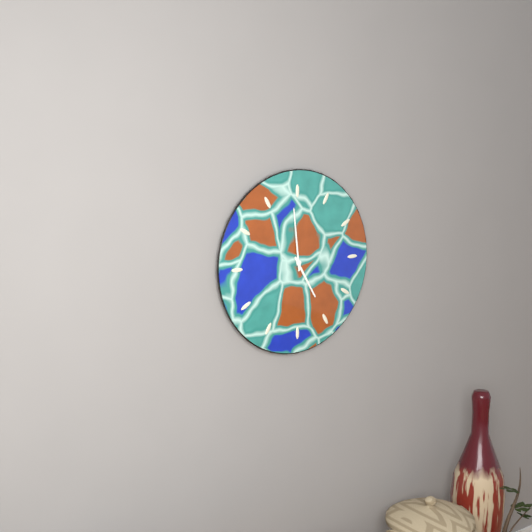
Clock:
4:59
